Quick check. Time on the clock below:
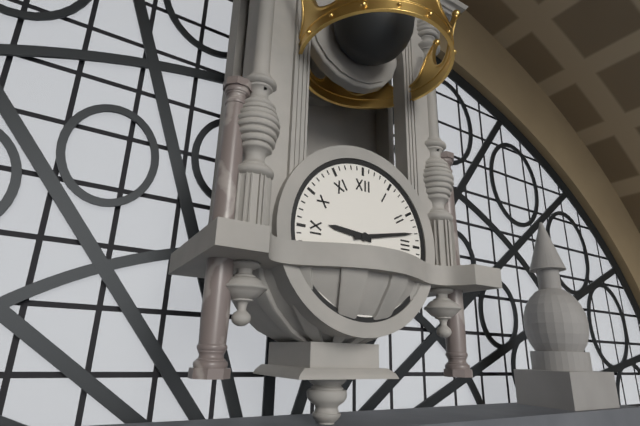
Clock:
9:13
